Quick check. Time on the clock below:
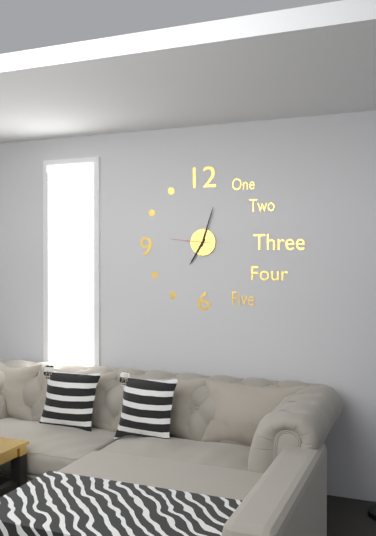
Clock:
7:03
